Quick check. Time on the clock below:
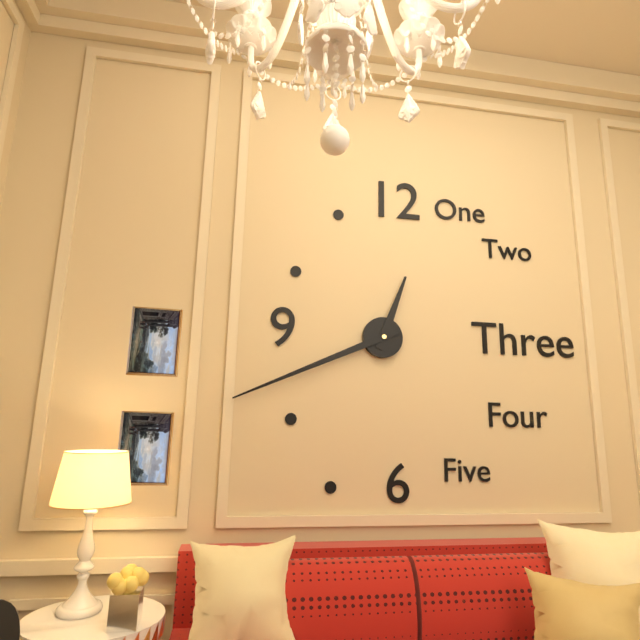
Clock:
12:41
